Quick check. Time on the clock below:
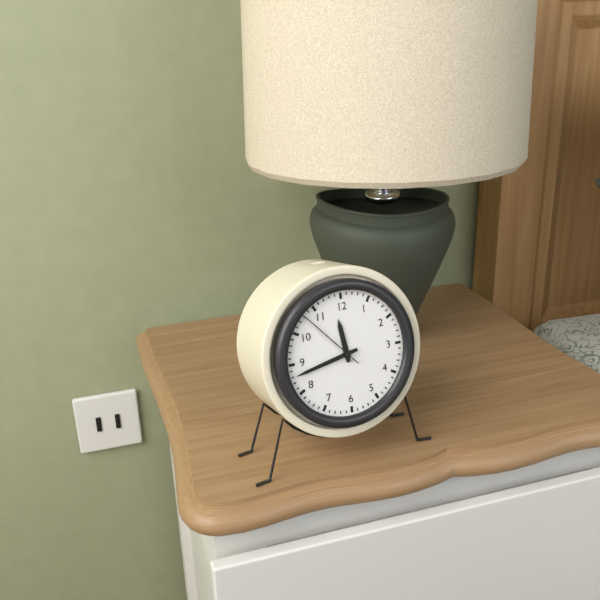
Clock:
11:43:53
